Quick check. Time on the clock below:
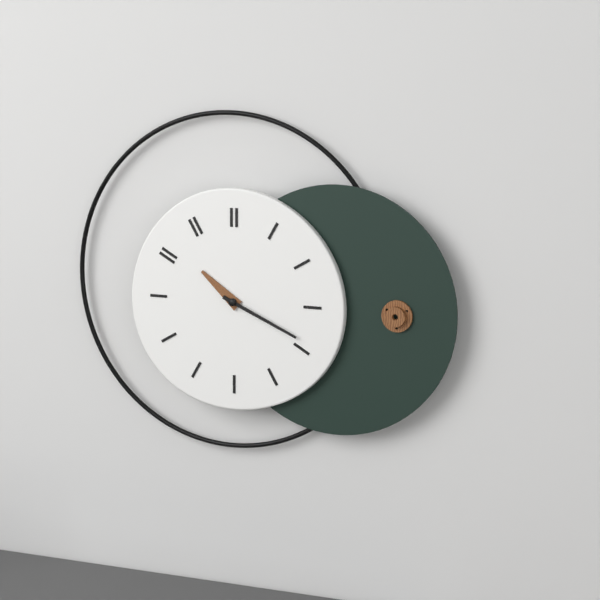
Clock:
10:19
